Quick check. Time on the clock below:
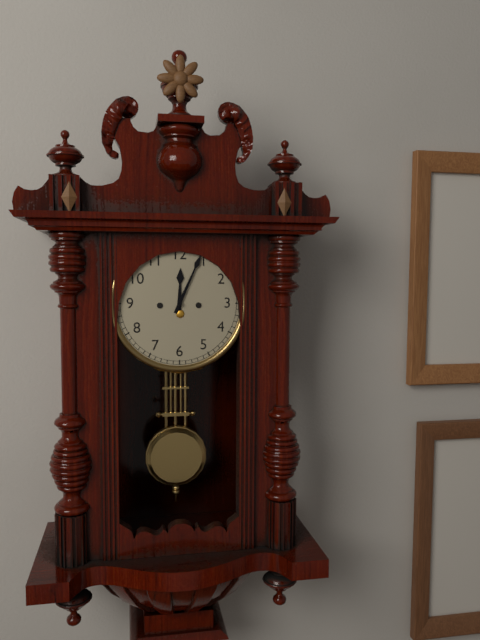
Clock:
12:04
